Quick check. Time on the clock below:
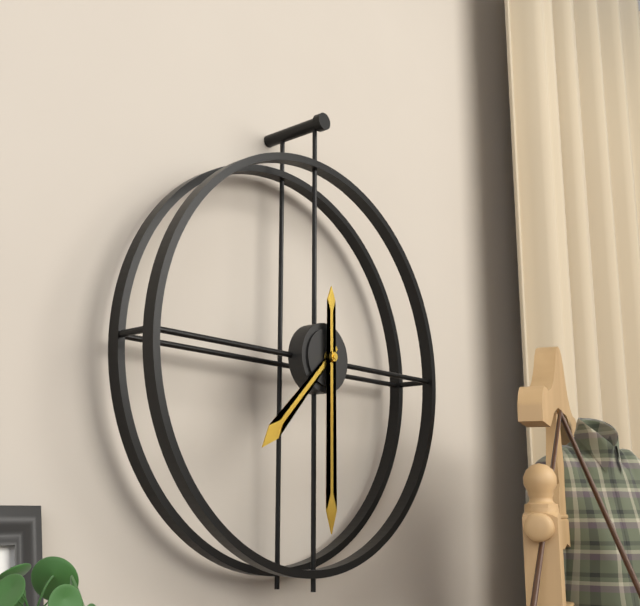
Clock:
7:30
